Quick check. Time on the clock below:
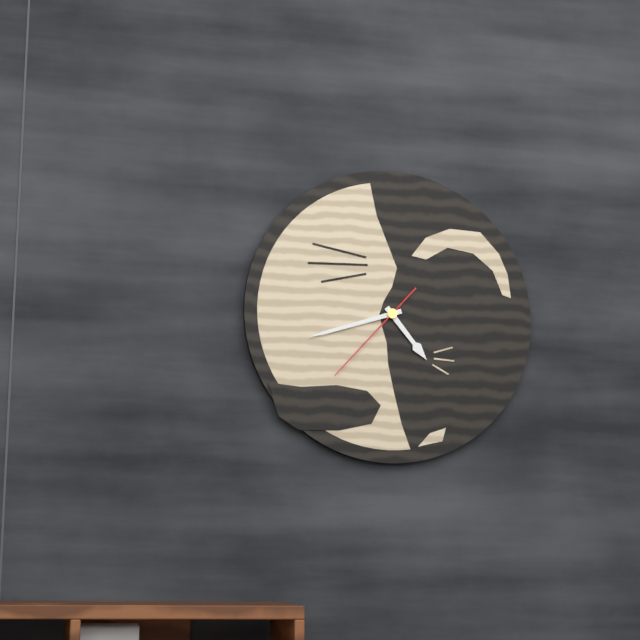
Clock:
4:42:37
